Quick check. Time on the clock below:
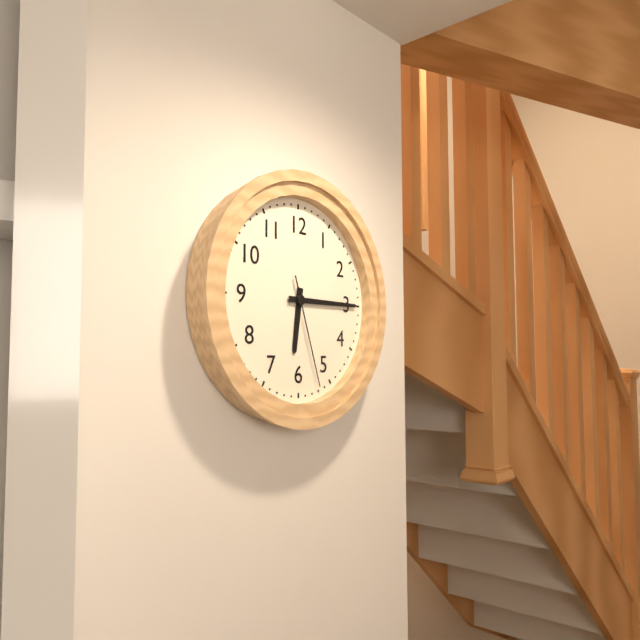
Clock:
6:15:27
